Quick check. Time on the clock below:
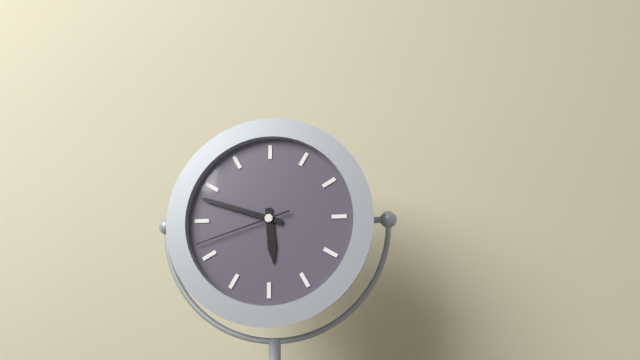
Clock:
5:48:42
